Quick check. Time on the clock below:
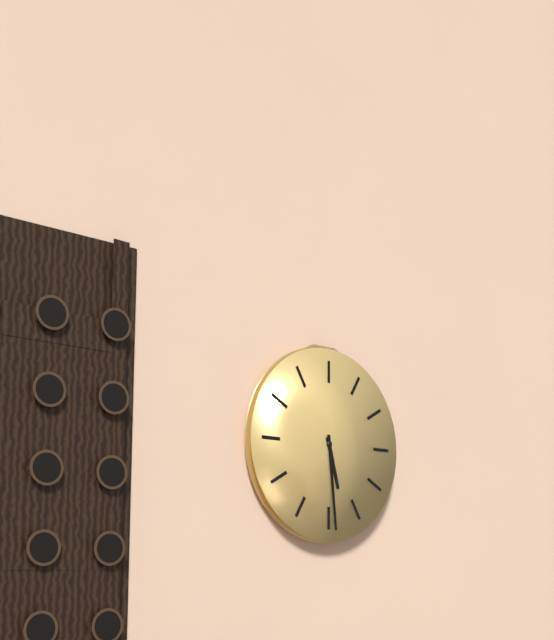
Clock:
5:29
